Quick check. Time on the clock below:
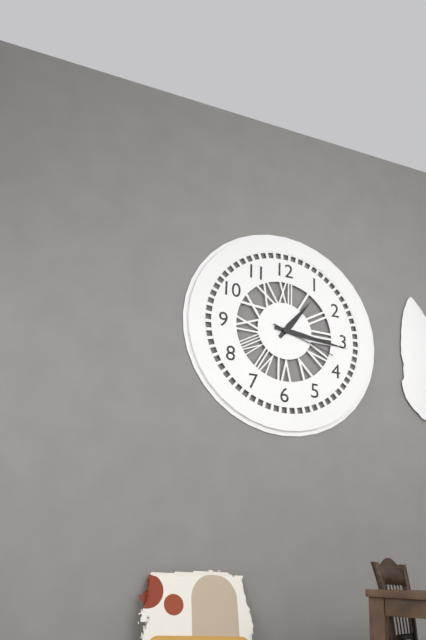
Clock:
1:16:18
